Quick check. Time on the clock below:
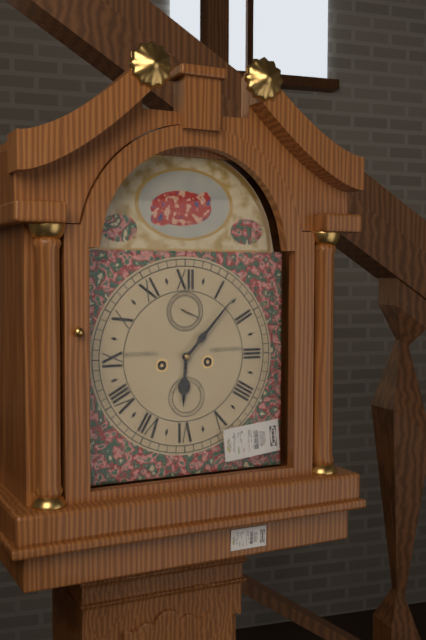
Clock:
6:07
